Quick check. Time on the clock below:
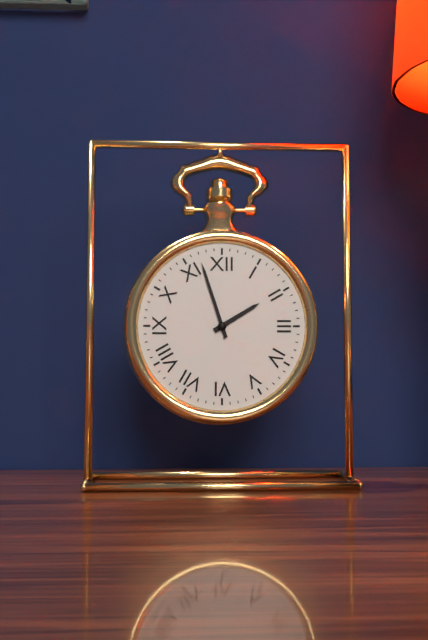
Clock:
1:57
